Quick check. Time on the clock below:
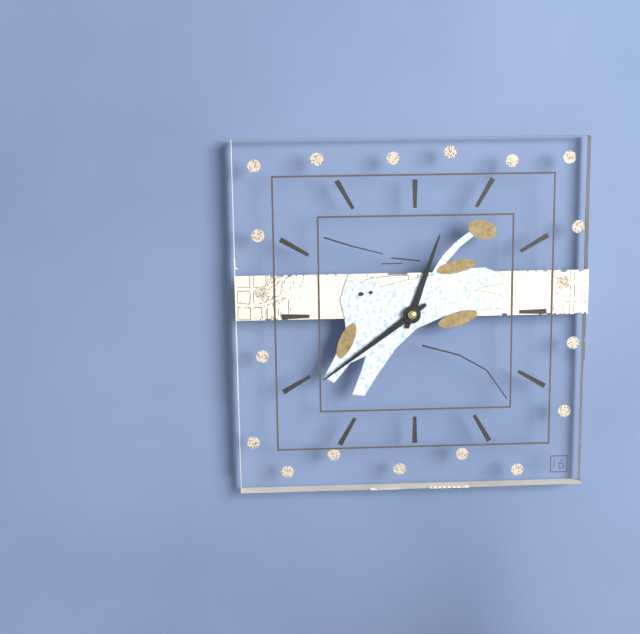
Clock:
12:39
